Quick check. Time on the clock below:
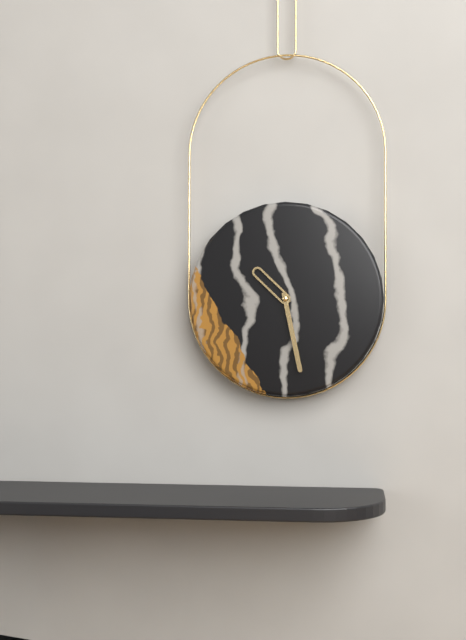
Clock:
10:28
